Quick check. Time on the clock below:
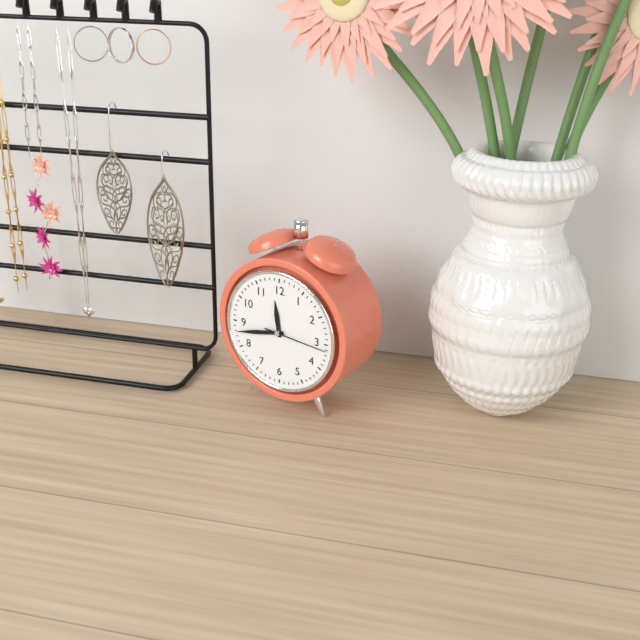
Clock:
11:43:16
